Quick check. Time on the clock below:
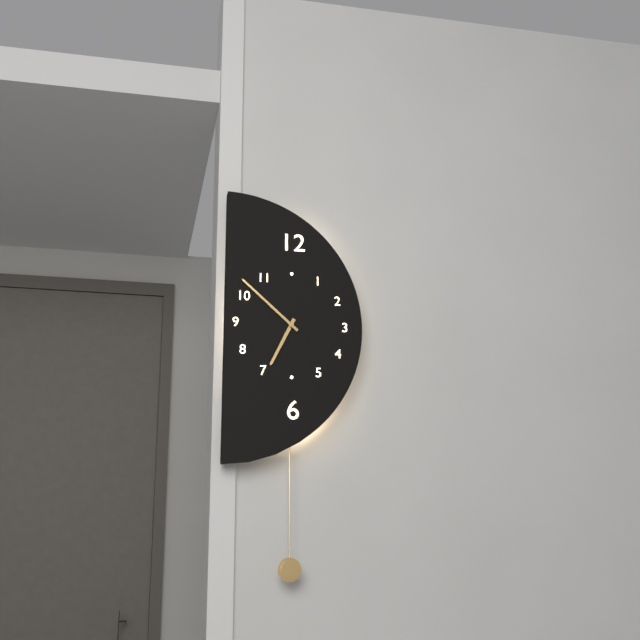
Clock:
6:52
